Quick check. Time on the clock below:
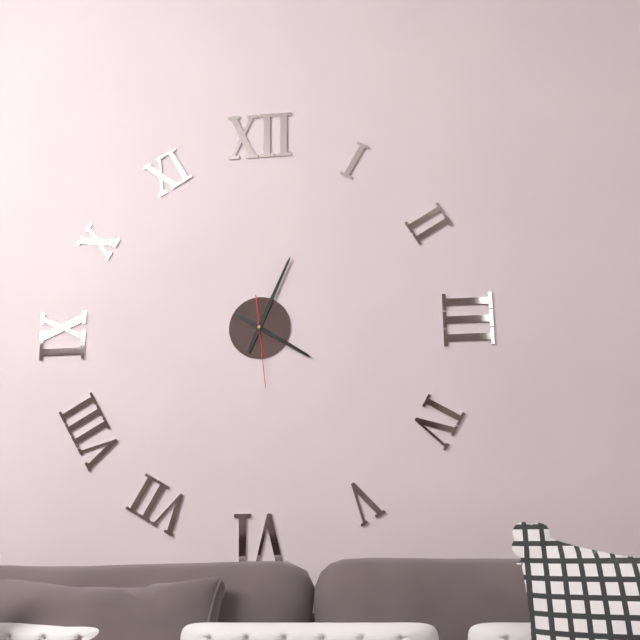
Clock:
4:04:29
